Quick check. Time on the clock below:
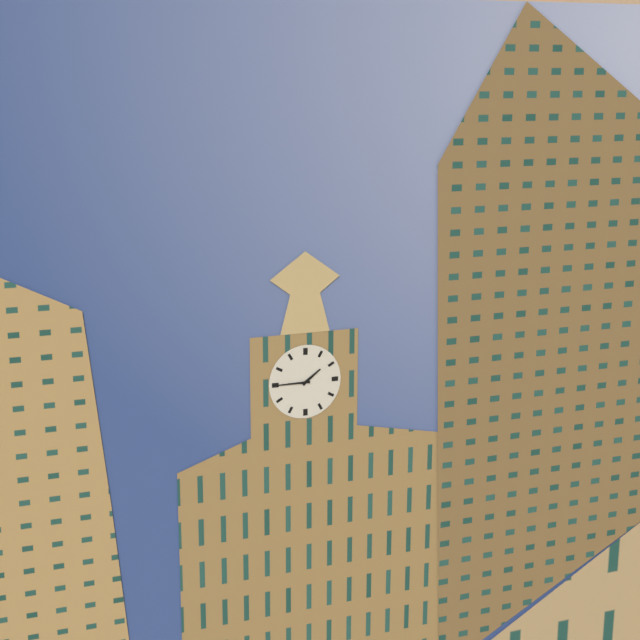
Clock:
1:45
